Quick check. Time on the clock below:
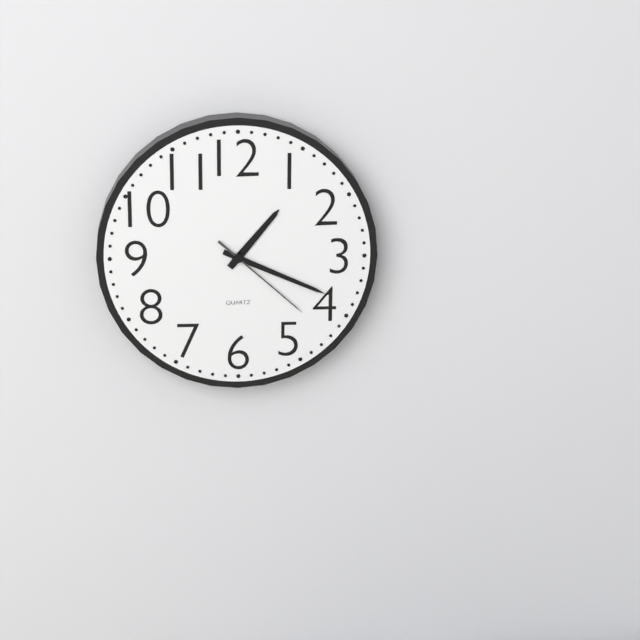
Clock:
1:19:22
